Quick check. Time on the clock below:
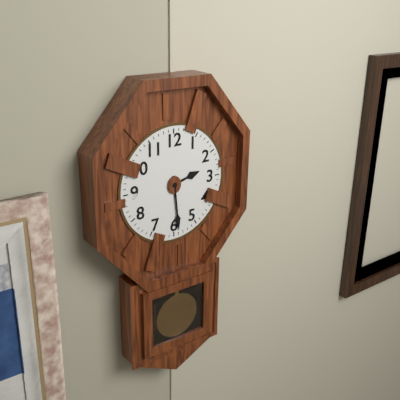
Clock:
2:29
